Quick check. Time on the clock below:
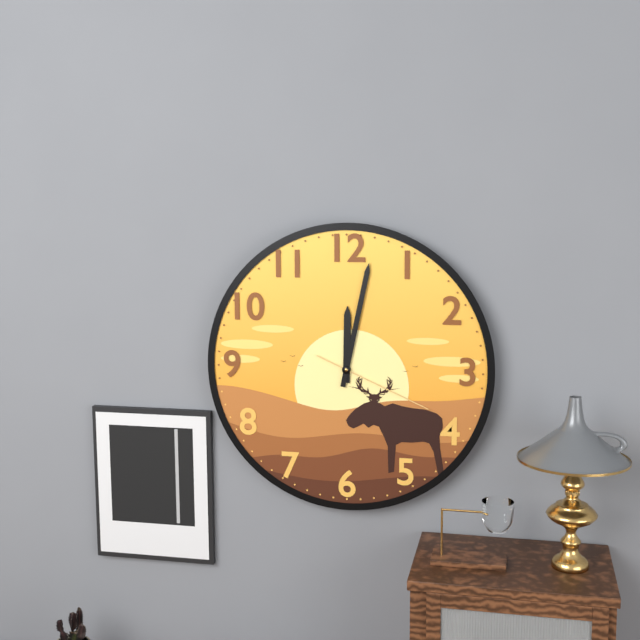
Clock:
12:02:19
